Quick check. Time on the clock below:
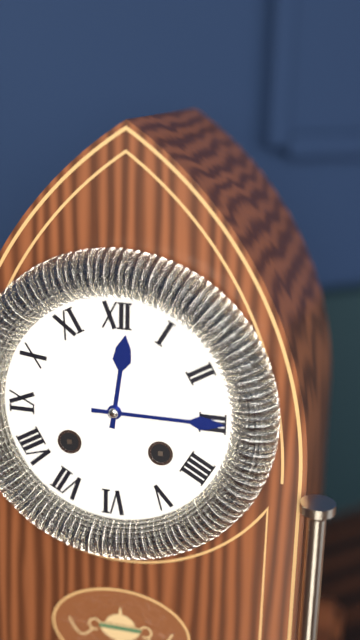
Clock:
12:15
